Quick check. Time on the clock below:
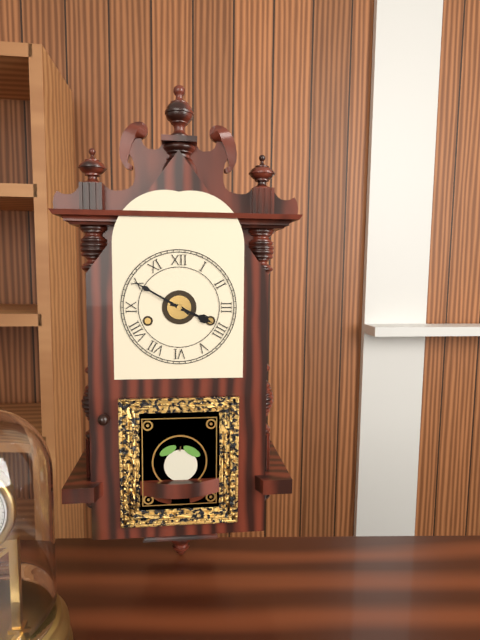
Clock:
3:50
